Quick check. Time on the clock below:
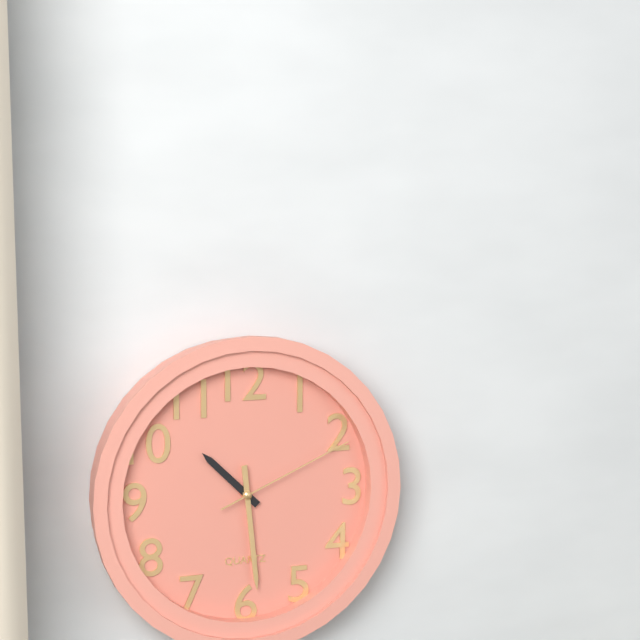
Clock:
10:29:11
